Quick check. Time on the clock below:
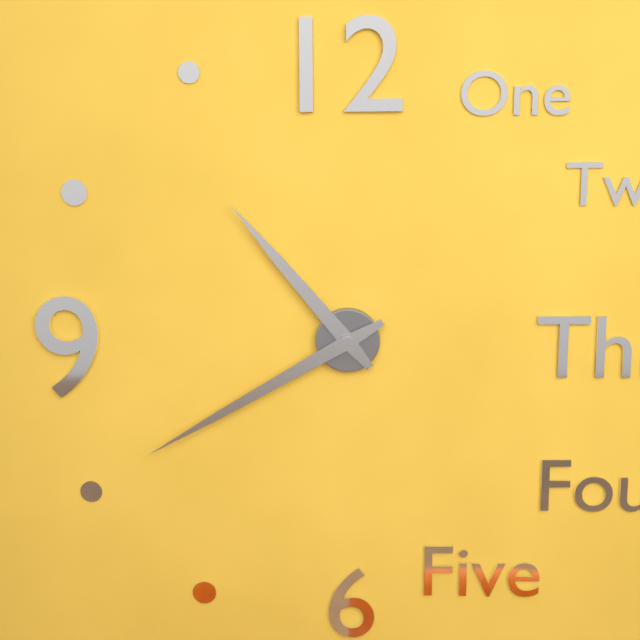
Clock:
10:40
